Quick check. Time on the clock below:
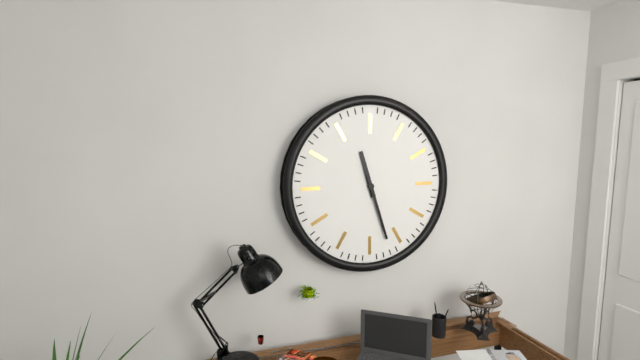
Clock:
11:27
